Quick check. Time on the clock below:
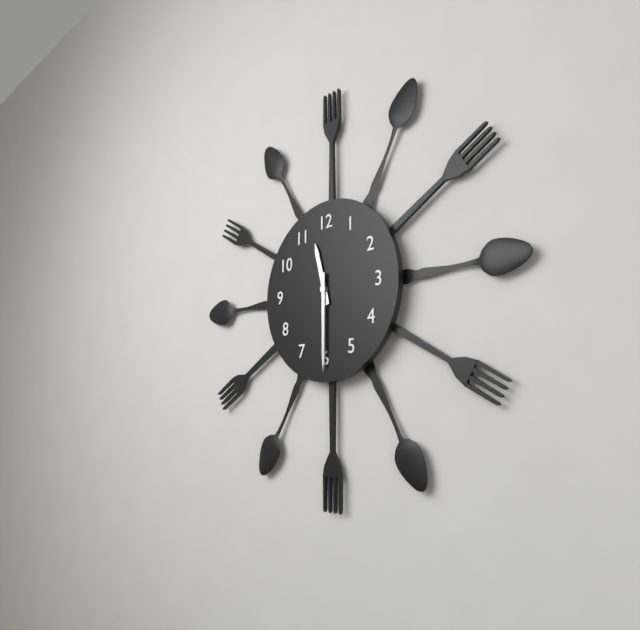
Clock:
11:30
